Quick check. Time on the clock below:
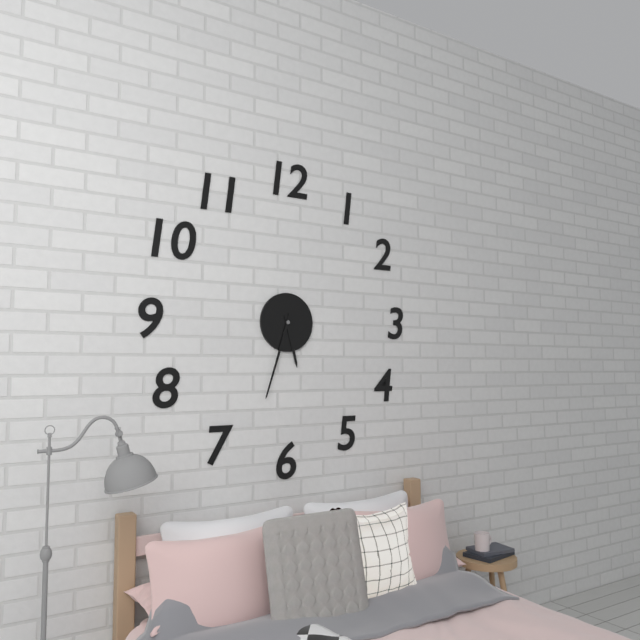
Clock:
5:33
